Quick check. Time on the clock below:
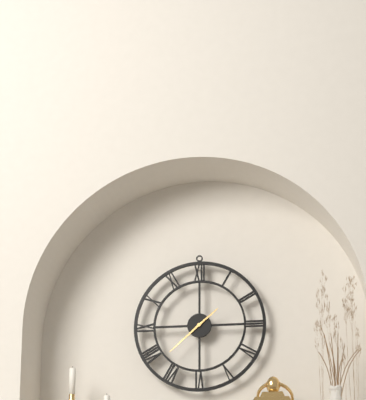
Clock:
1:38
